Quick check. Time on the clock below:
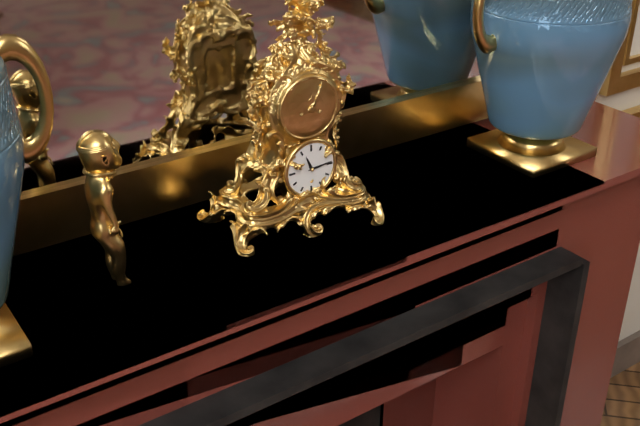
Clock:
11:14
